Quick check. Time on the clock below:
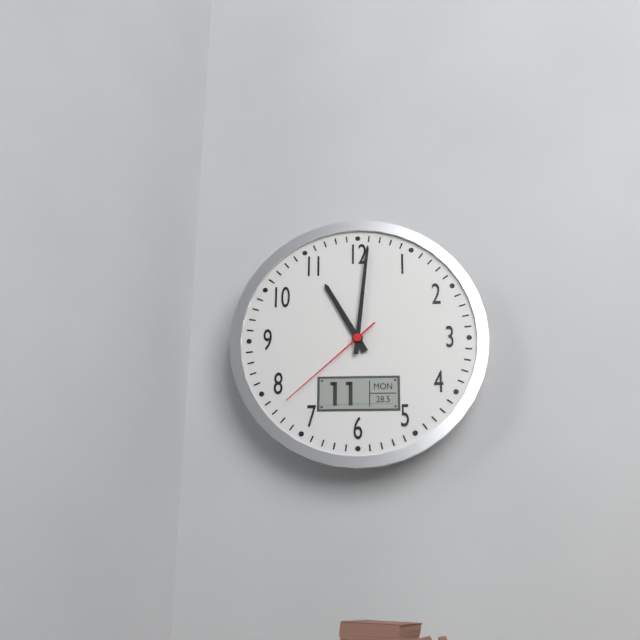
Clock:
11:01:38
